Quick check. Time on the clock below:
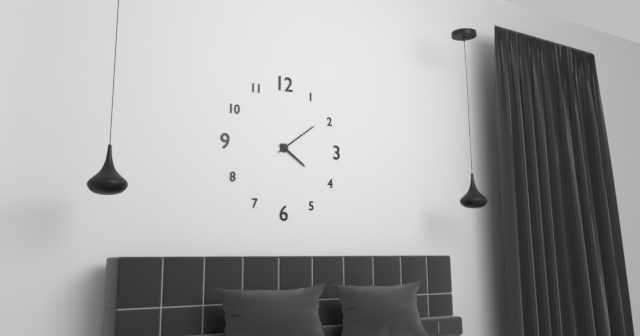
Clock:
4:09
